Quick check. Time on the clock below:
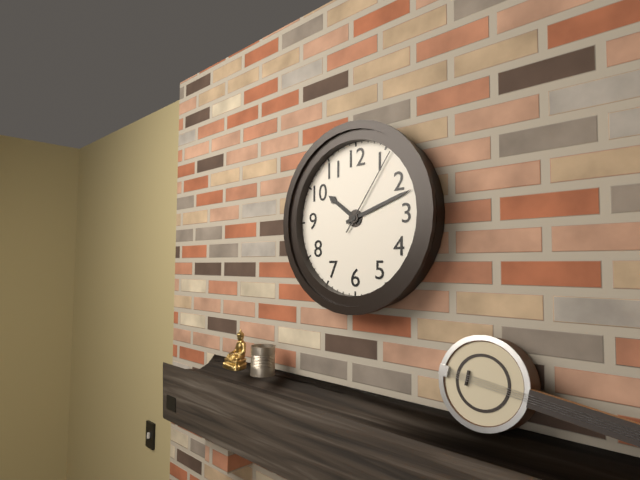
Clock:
10:12:06
